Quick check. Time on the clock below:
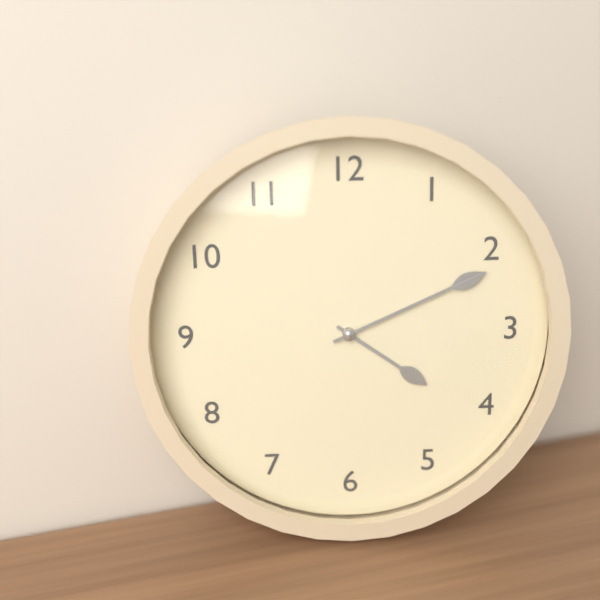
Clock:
4:11
